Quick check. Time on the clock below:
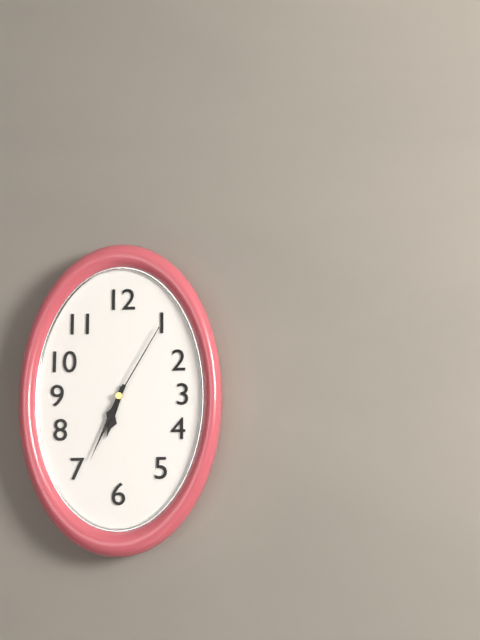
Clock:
6:34:05
